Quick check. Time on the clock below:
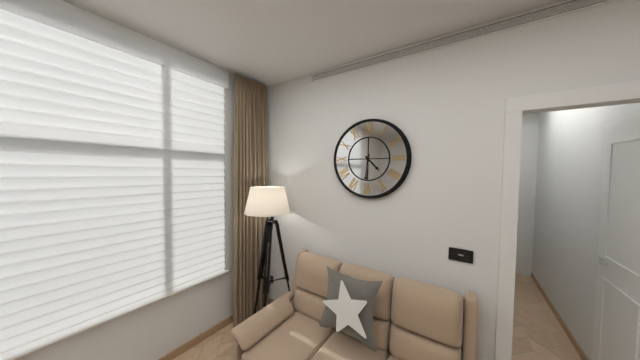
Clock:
4:31
